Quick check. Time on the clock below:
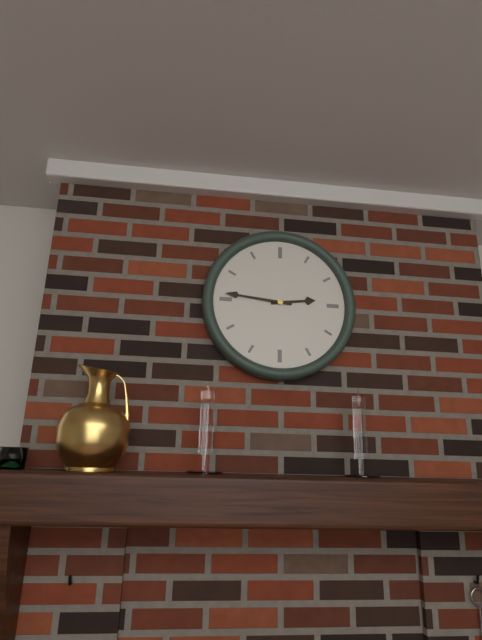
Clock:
2:46
